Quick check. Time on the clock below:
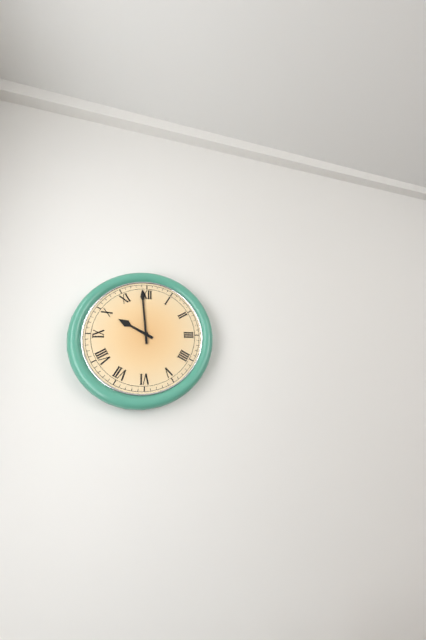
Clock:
9:59
